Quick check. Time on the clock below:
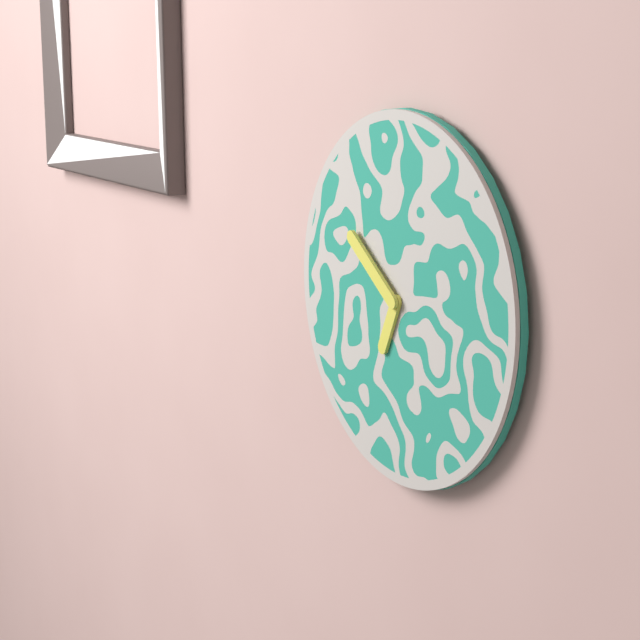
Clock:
6:51
